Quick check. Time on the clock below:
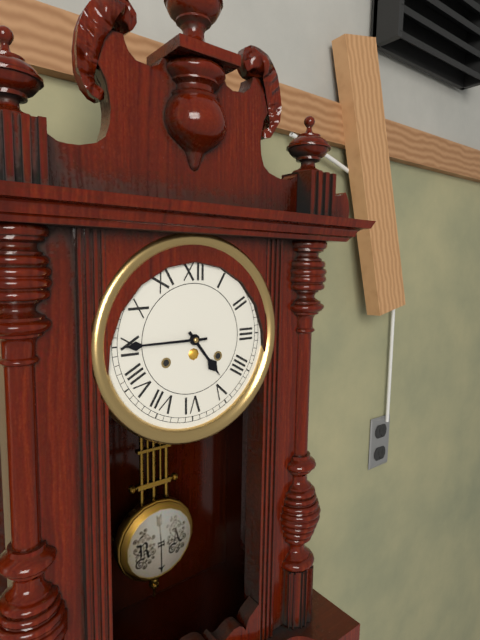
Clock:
4:45
